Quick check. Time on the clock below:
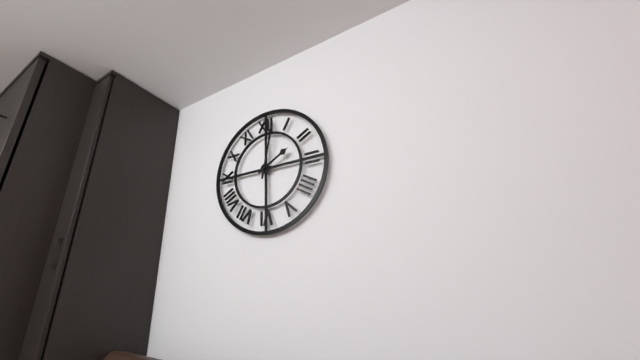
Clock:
2:02
